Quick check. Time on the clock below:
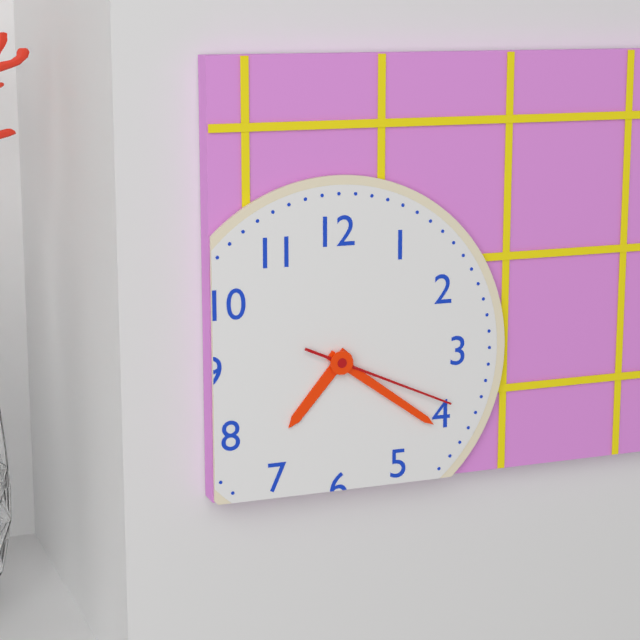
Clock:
7:21:19
